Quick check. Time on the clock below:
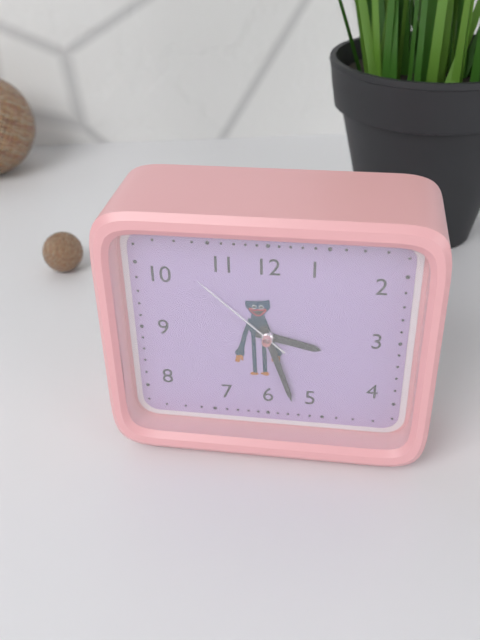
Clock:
3:27:52
